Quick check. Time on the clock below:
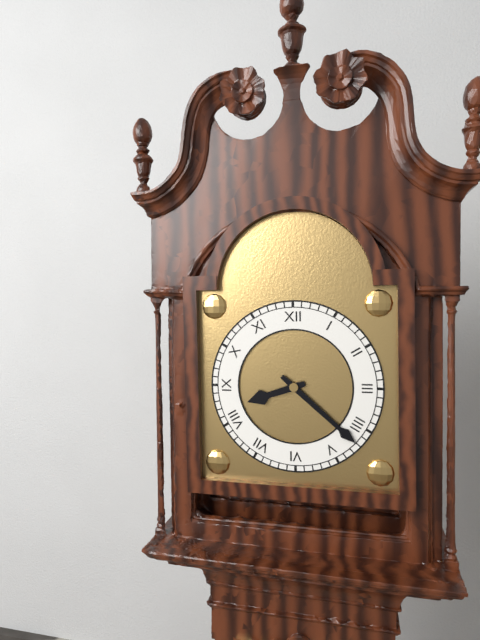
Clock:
8:22
